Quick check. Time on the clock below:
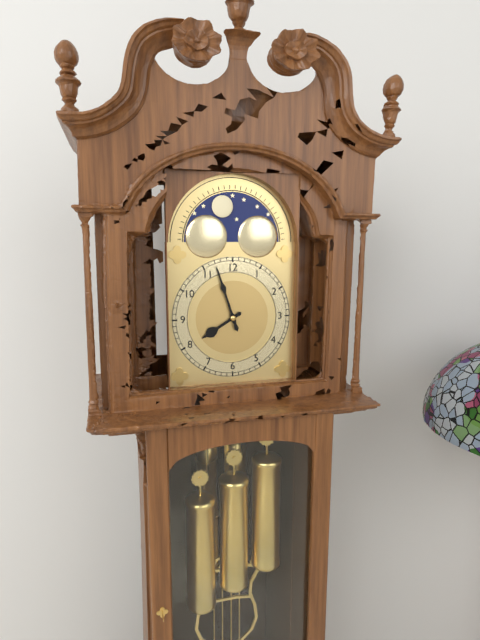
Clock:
7:57
